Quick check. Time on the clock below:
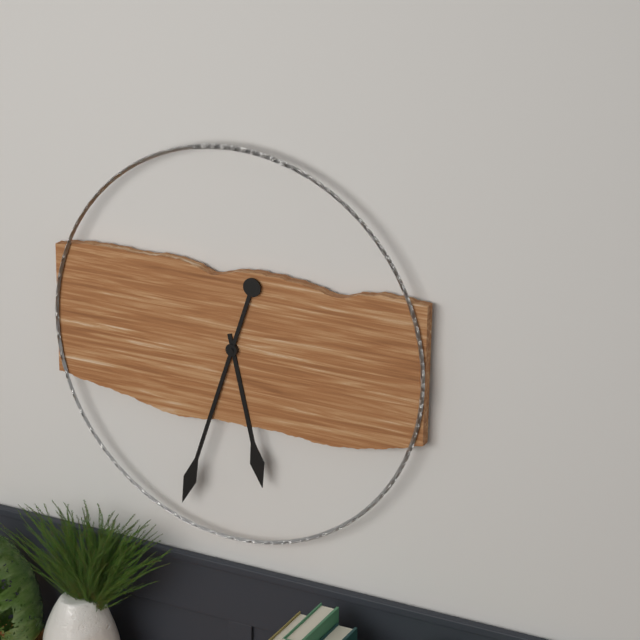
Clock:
5:33
